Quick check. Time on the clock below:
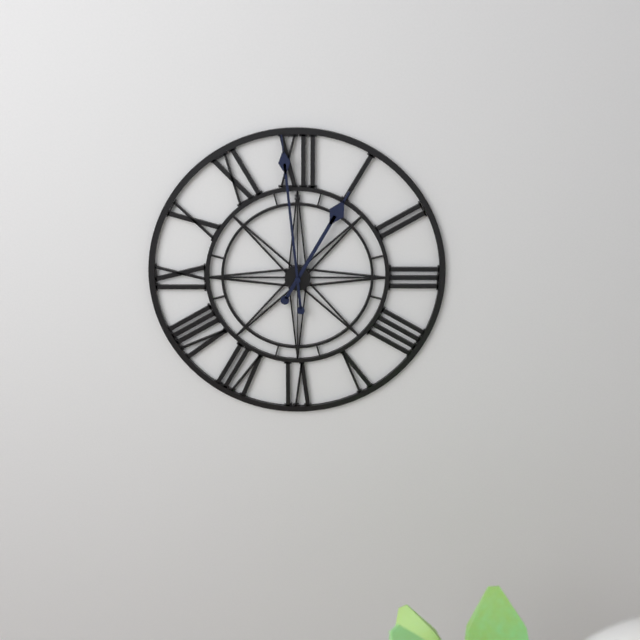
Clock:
12:59
